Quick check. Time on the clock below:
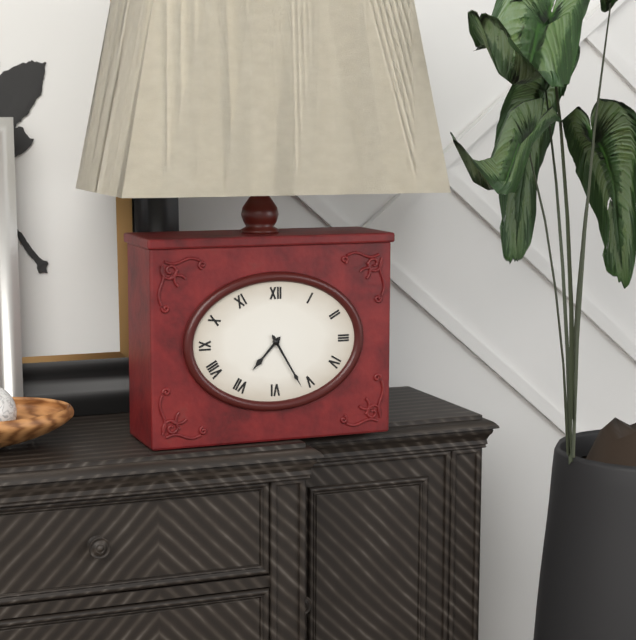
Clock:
7:25
